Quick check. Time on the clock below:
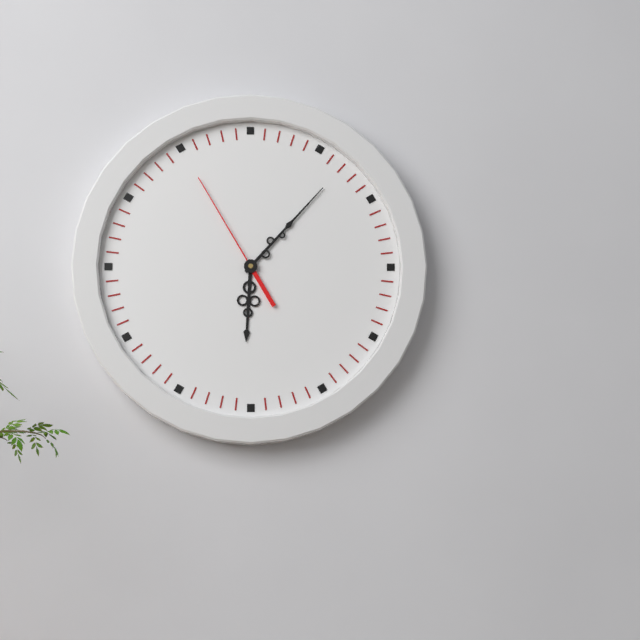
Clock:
6:07:55
